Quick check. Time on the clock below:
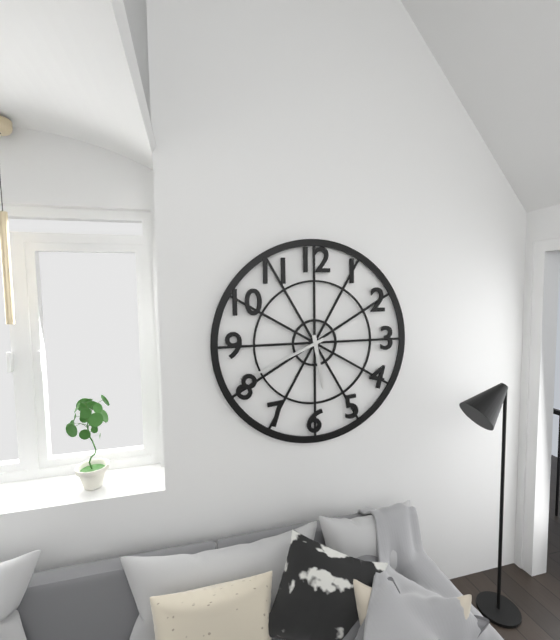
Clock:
5:41
